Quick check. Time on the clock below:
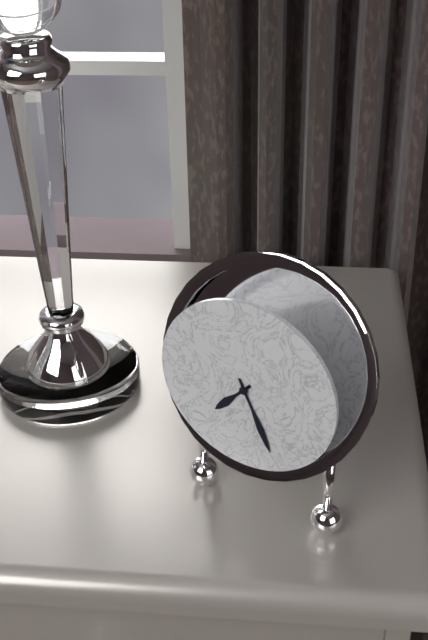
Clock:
7:26
